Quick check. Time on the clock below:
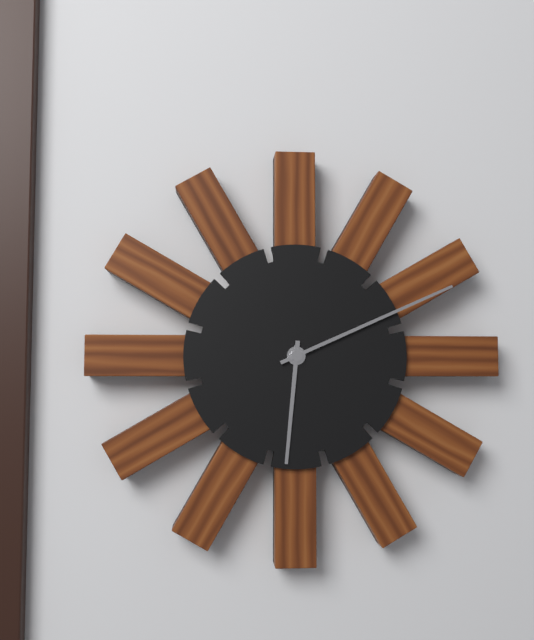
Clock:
6:11
